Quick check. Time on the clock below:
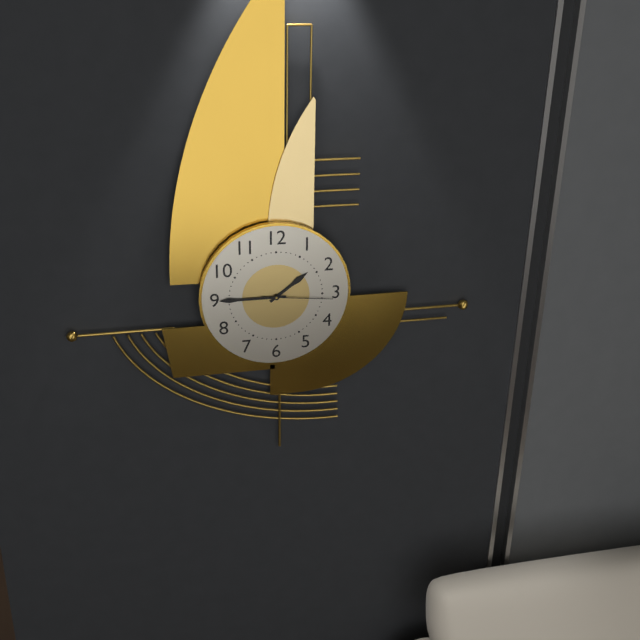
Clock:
1:45:16
